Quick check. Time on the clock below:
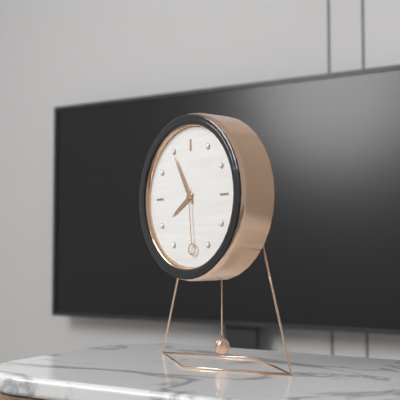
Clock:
7:55:29
